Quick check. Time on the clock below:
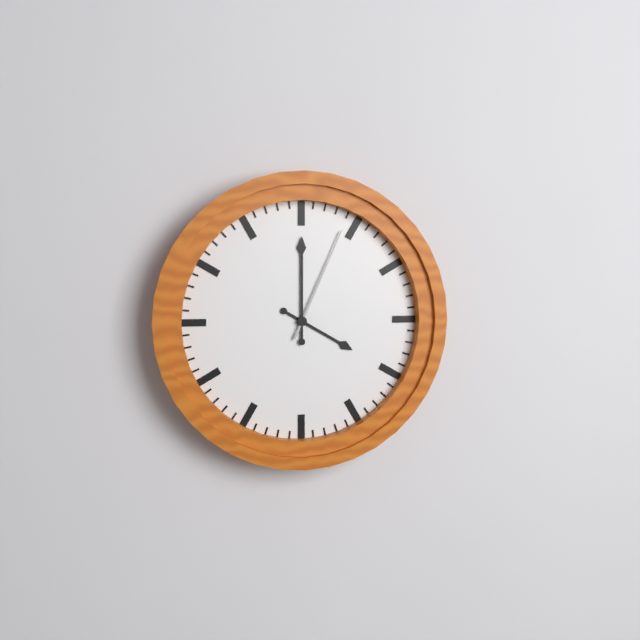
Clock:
4:00:04
